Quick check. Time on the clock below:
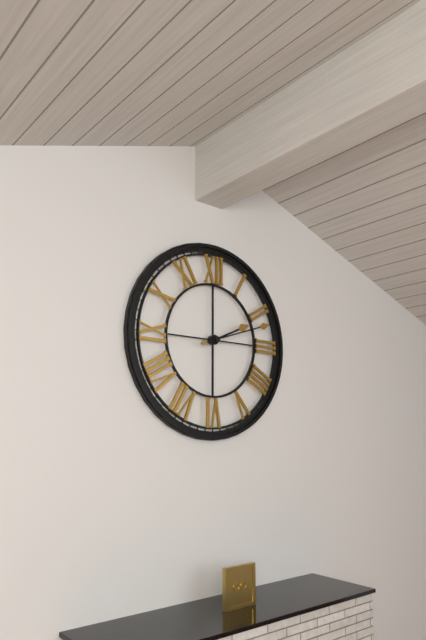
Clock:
2:12
